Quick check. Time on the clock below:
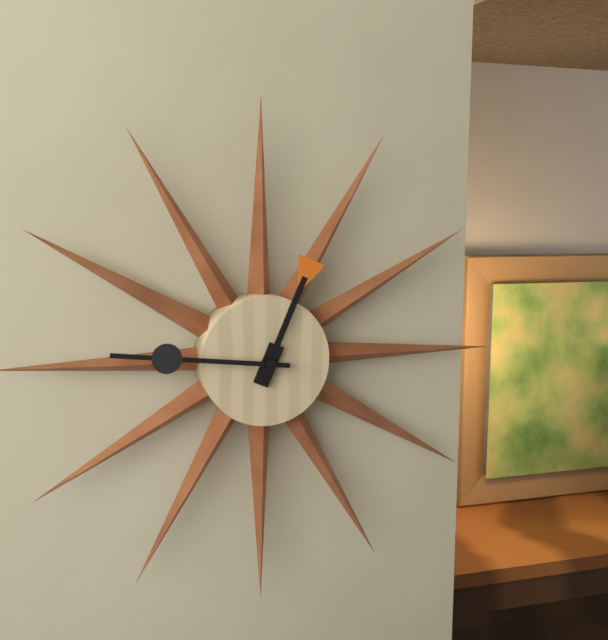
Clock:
12:46
